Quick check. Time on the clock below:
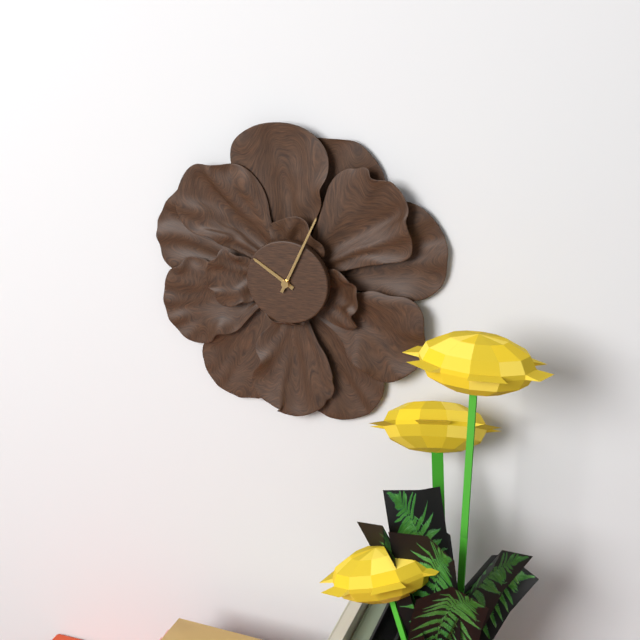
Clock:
10:04
